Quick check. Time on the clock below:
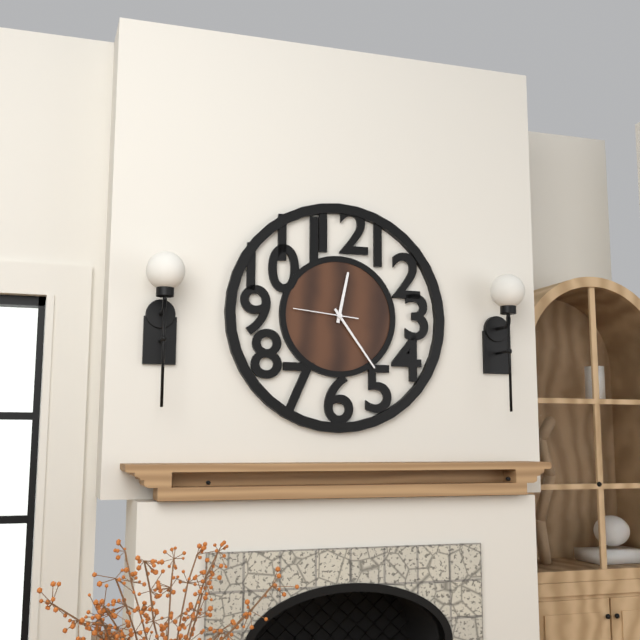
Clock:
12:24:46
